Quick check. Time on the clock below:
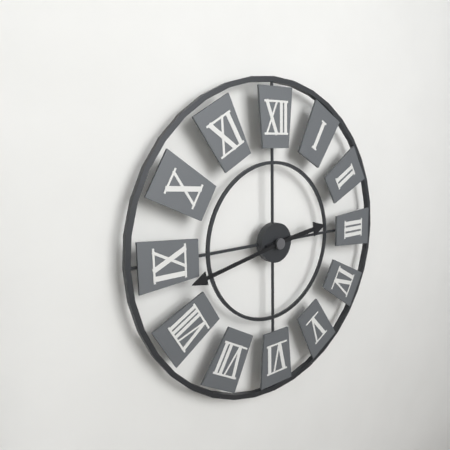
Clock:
2:43
